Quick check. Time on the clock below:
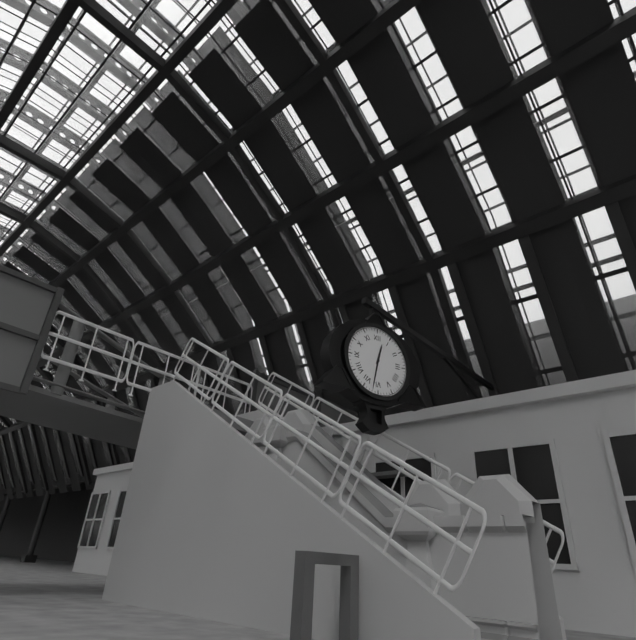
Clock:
12:32
